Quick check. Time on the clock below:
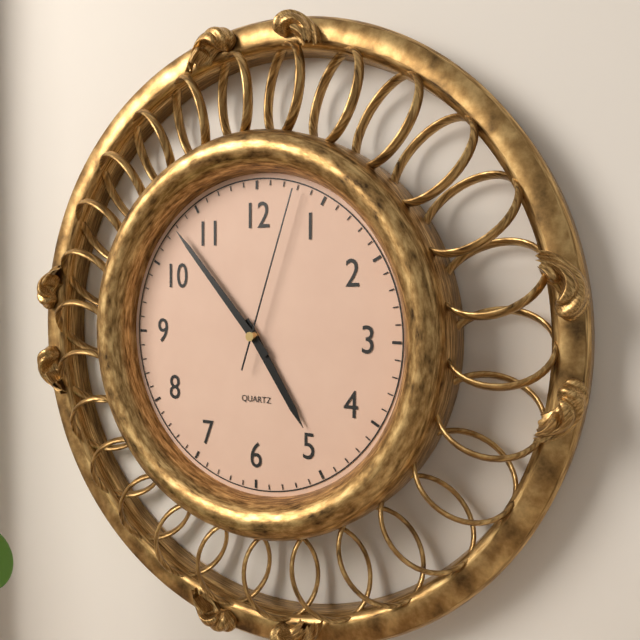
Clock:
4:53:03
